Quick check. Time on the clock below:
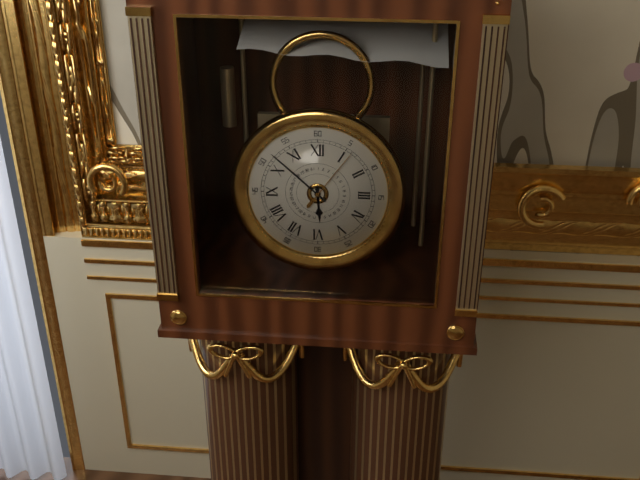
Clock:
5:52:06
